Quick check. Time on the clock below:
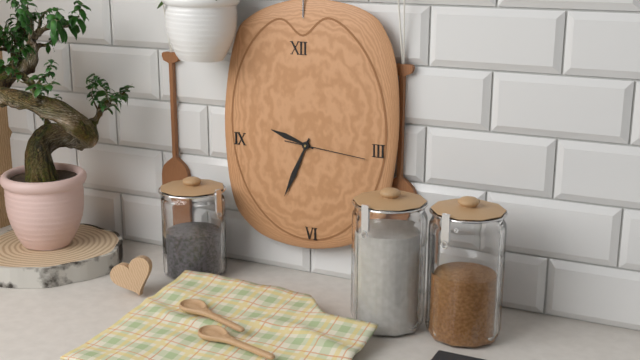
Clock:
9:34:16
